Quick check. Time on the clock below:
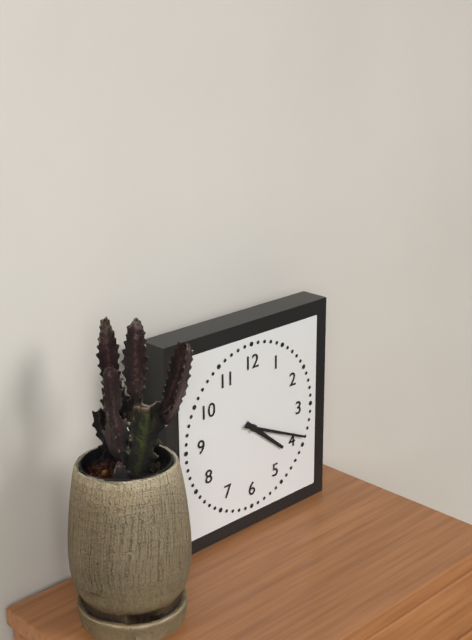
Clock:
4:19
